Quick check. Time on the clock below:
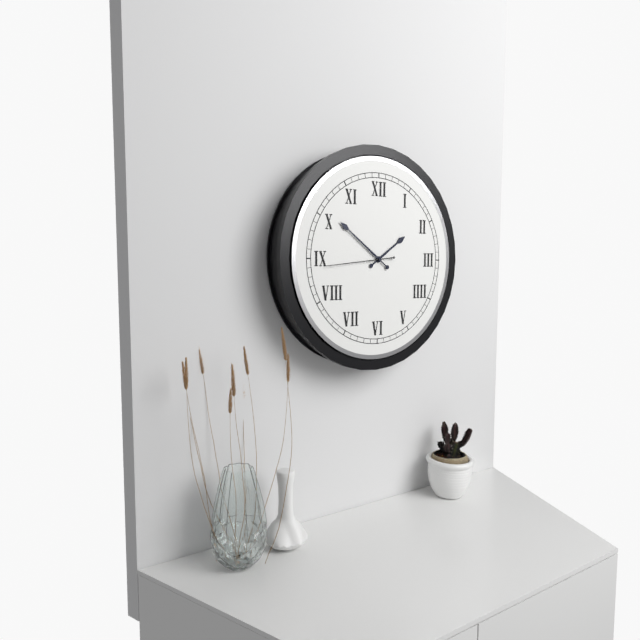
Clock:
1:51:44
